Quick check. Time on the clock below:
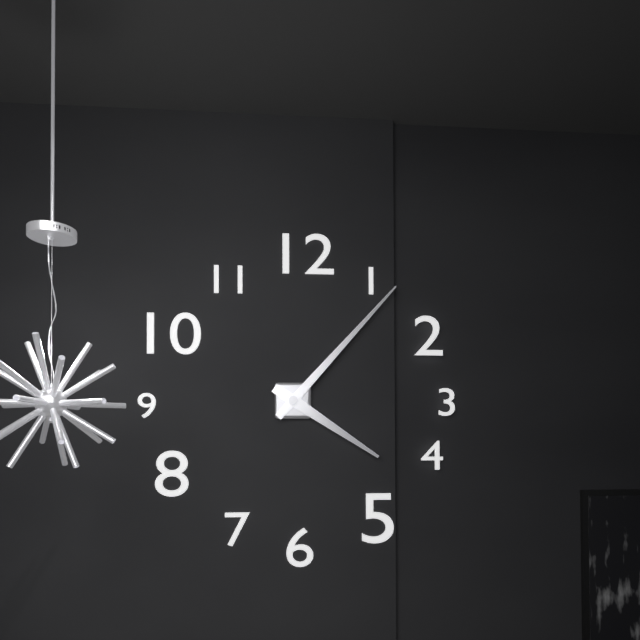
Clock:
4:07
